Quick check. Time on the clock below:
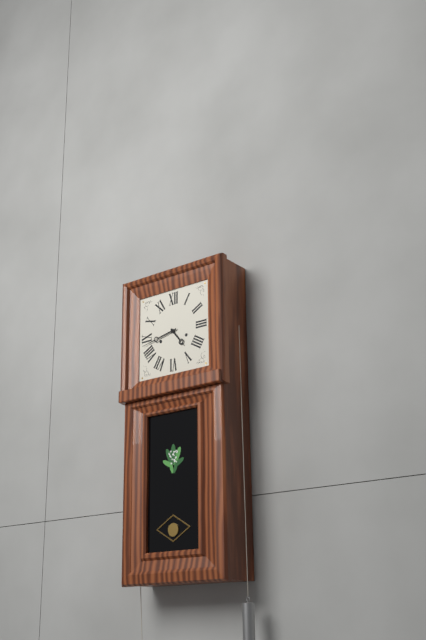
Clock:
4:43
